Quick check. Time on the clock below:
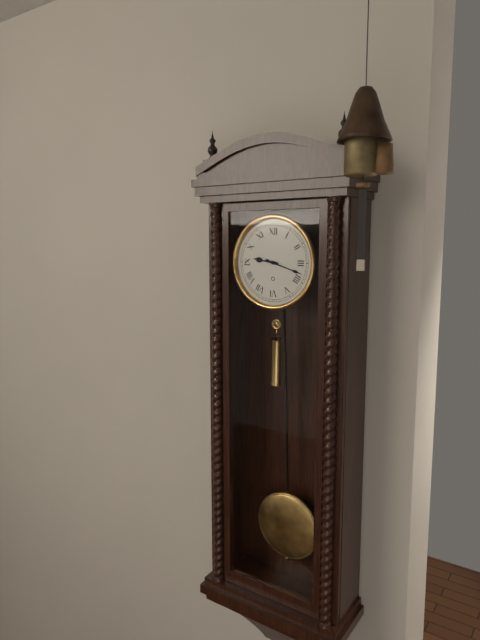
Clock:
9:18
